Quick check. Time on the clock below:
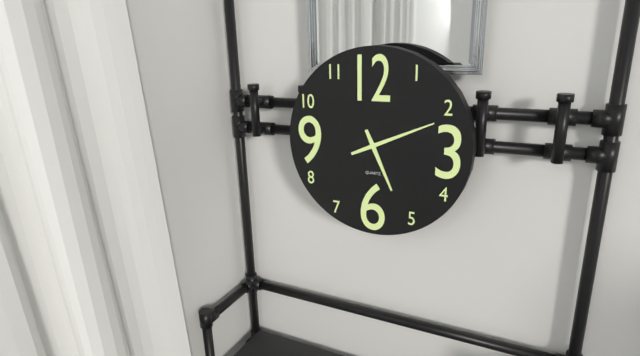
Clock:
5:11
